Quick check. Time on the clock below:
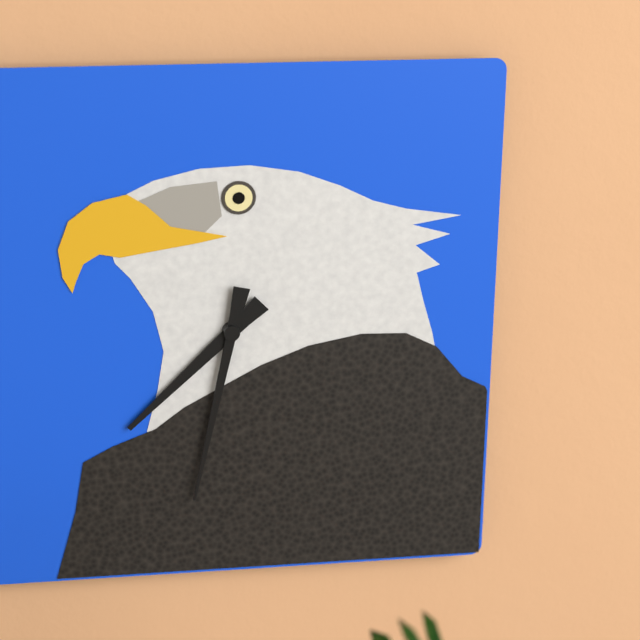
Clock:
7:32
